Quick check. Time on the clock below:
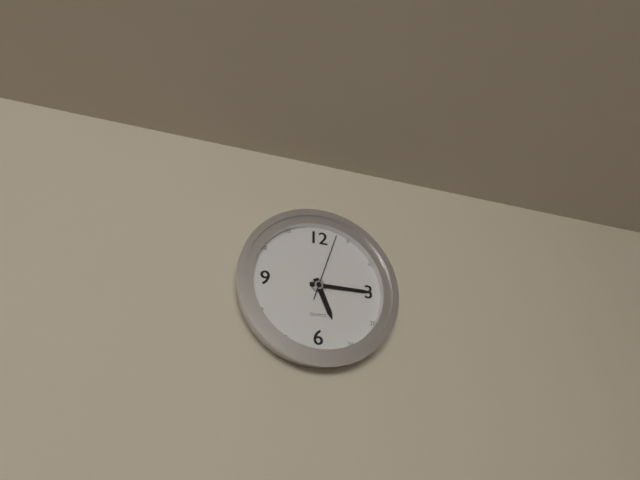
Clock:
5:15:03
